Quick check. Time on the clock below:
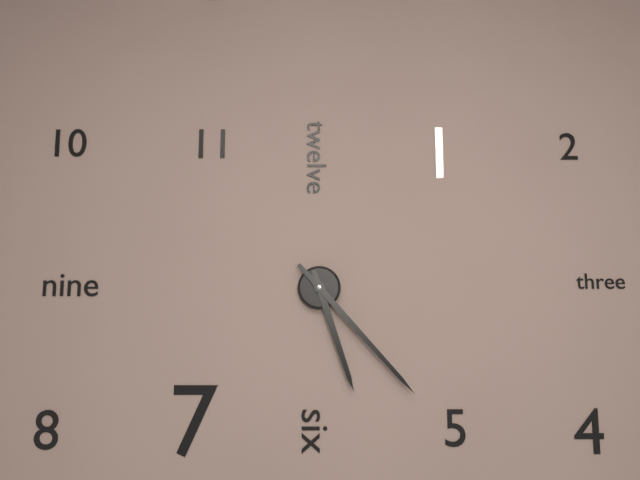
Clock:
5:23
